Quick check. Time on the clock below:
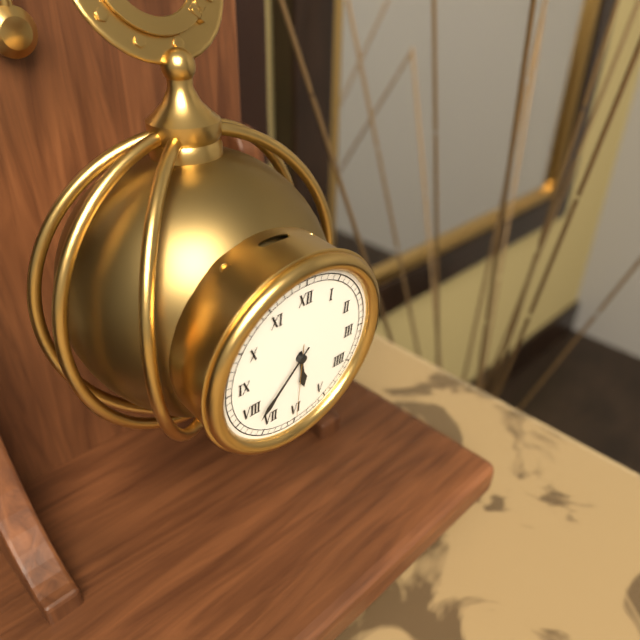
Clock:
5:37:30
